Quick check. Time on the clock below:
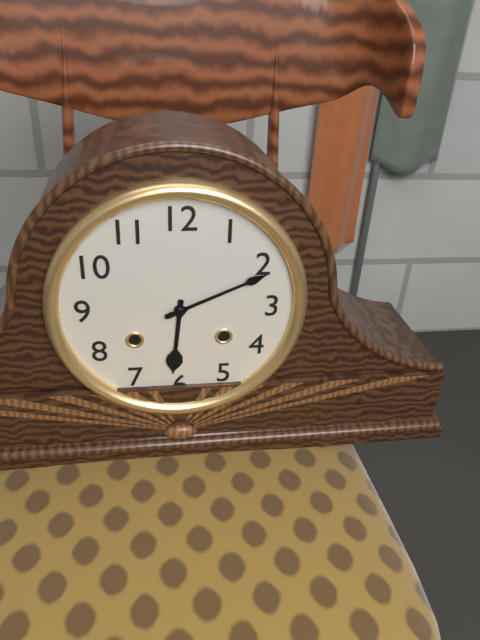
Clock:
6:11
